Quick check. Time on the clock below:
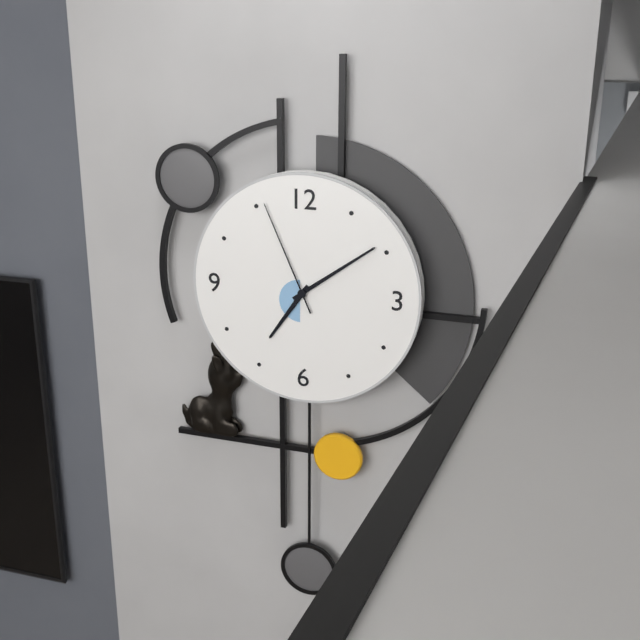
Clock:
7:09:56
